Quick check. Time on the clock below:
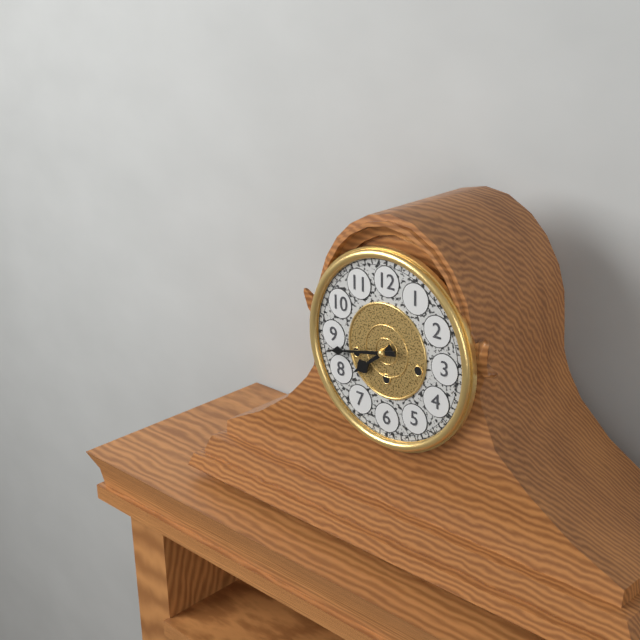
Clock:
7:43
